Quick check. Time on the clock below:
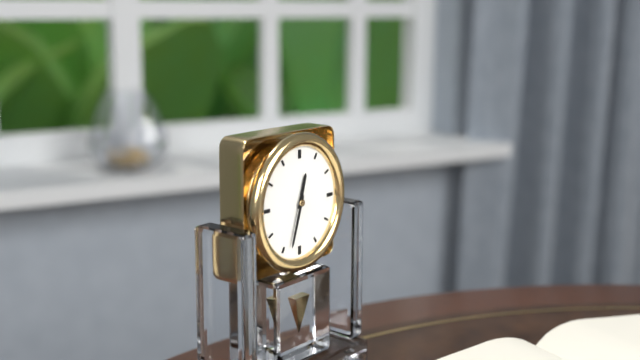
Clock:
12:33
